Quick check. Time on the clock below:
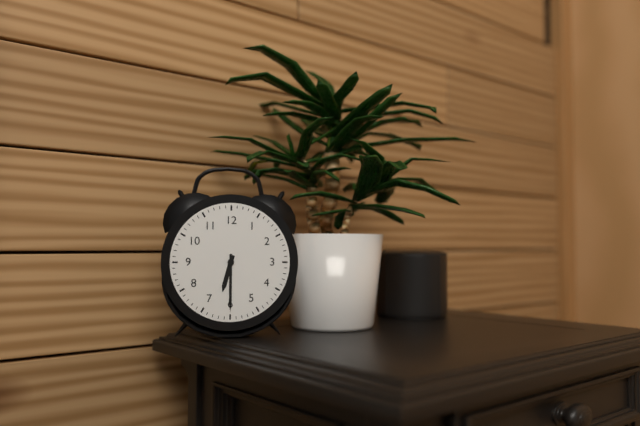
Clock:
6:30
